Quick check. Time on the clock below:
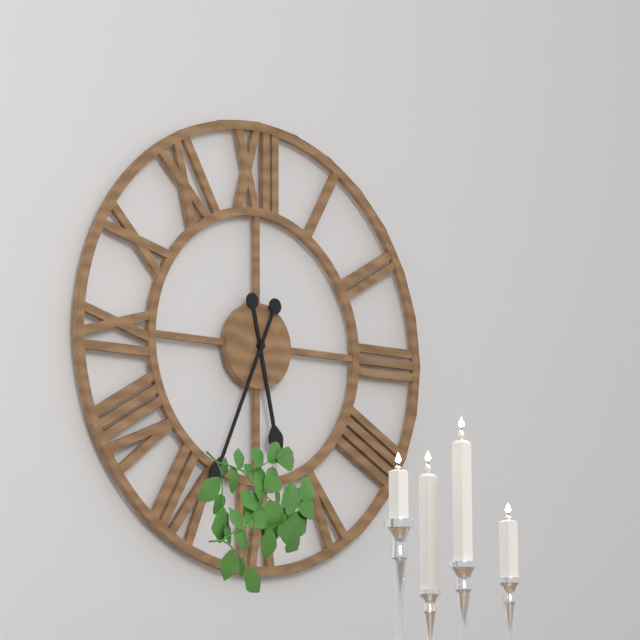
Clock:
5:34
